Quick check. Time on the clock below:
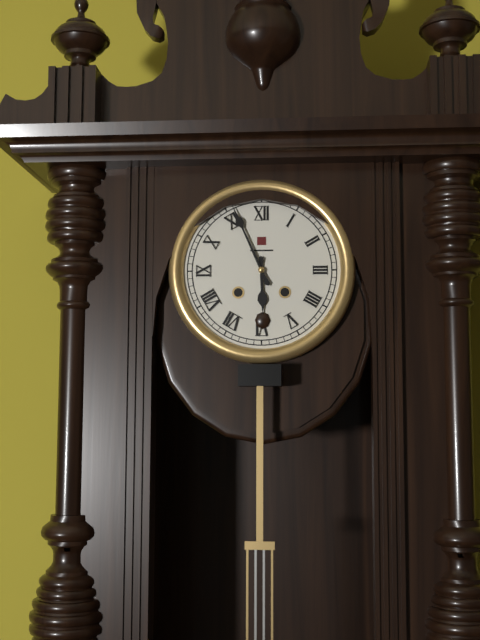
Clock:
5:56
